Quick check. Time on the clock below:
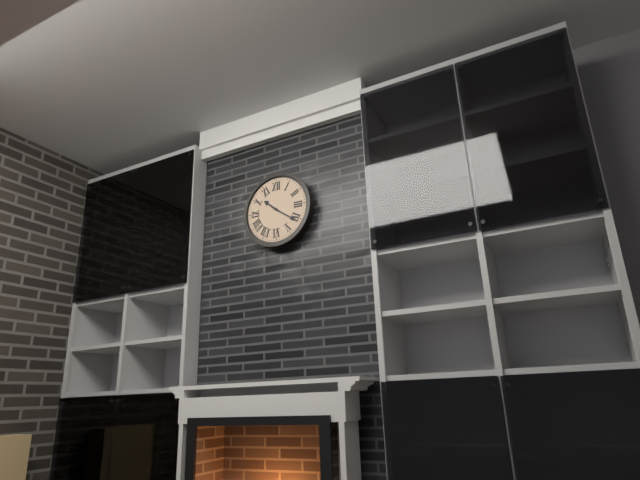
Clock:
10:21
